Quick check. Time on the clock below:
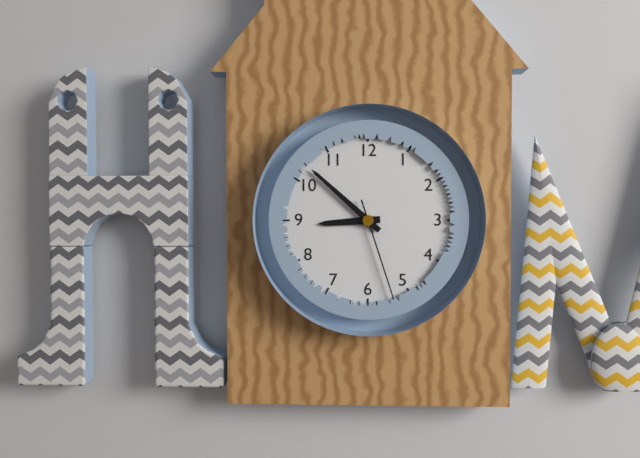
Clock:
8:52:27
